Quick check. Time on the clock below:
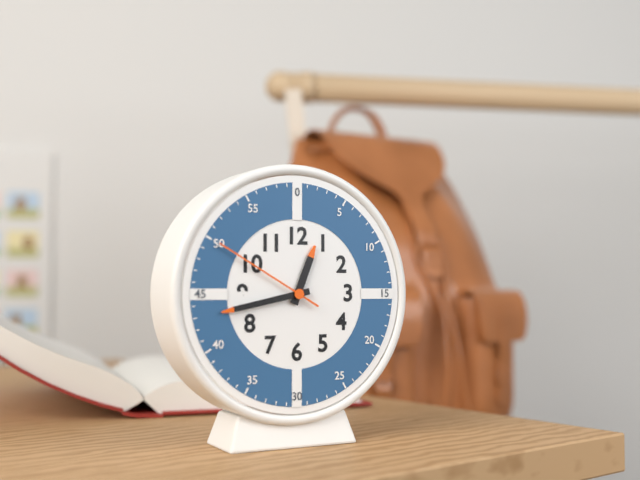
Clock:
12:43:50
